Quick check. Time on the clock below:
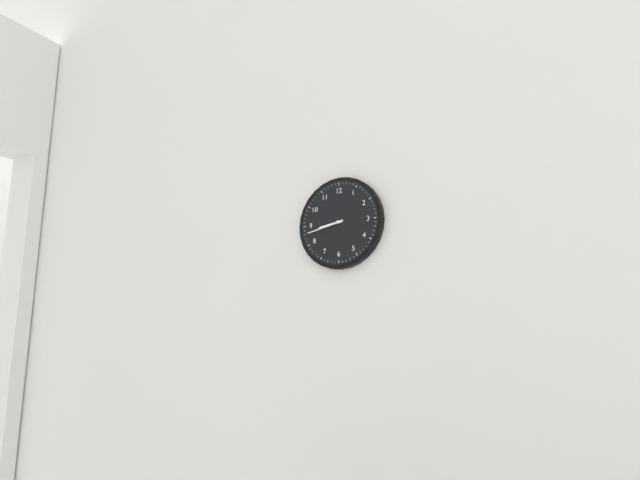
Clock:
8:43
